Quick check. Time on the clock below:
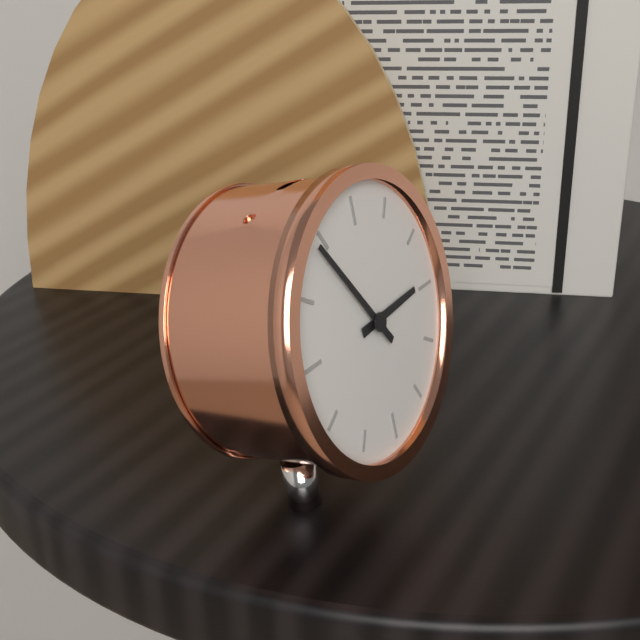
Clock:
2:54
